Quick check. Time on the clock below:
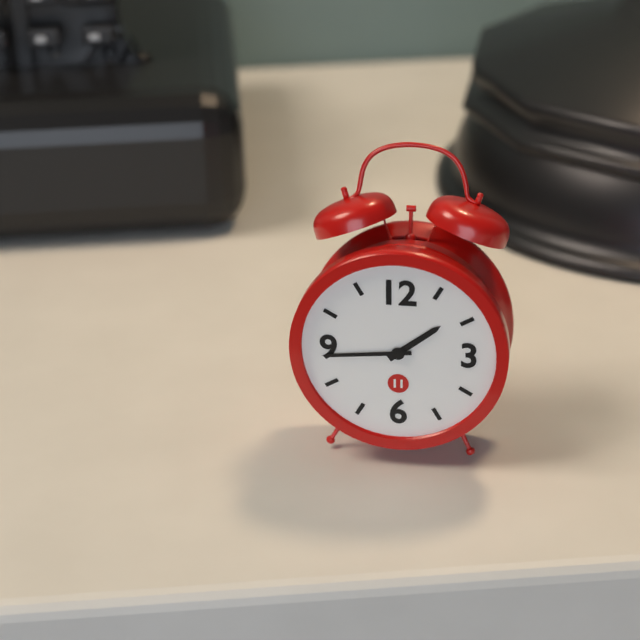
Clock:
1:44
